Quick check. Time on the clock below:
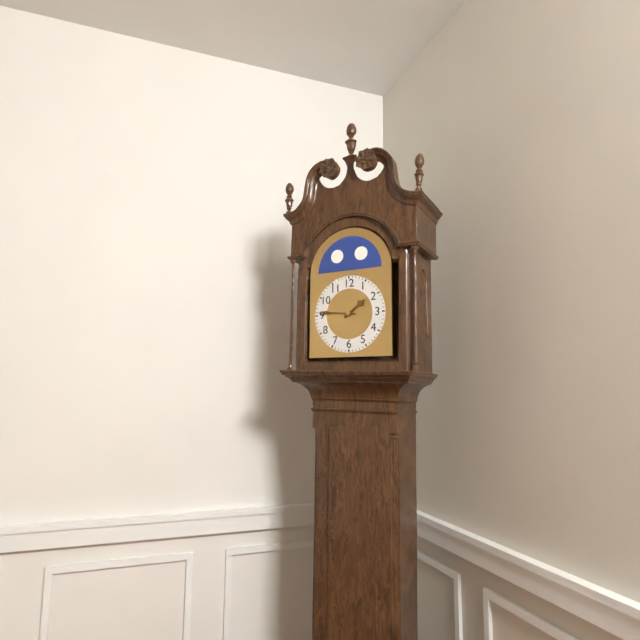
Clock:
1:46
